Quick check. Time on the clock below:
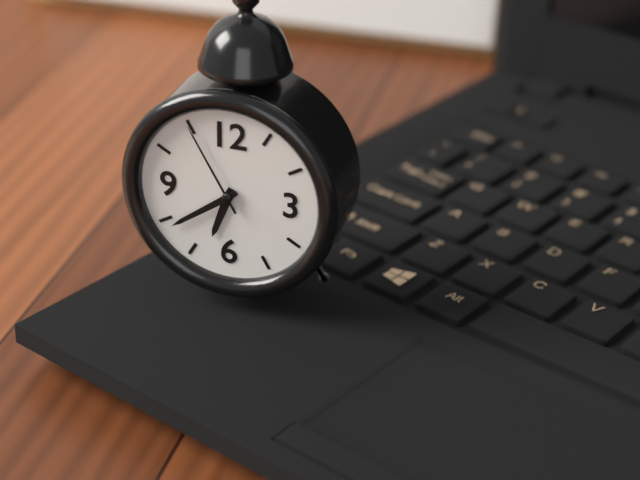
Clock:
6:39:55
